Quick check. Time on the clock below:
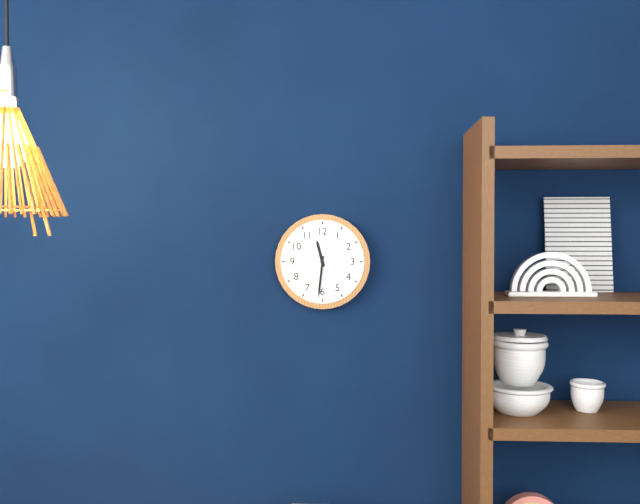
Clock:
11:31
